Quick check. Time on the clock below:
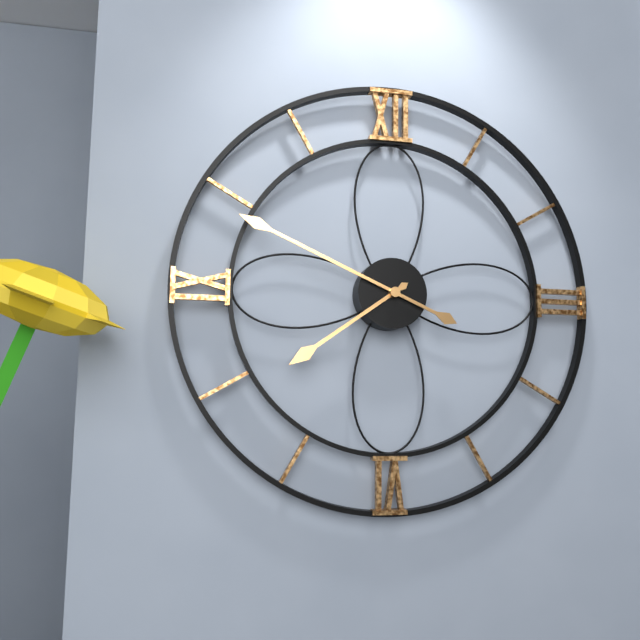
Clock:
7:49
